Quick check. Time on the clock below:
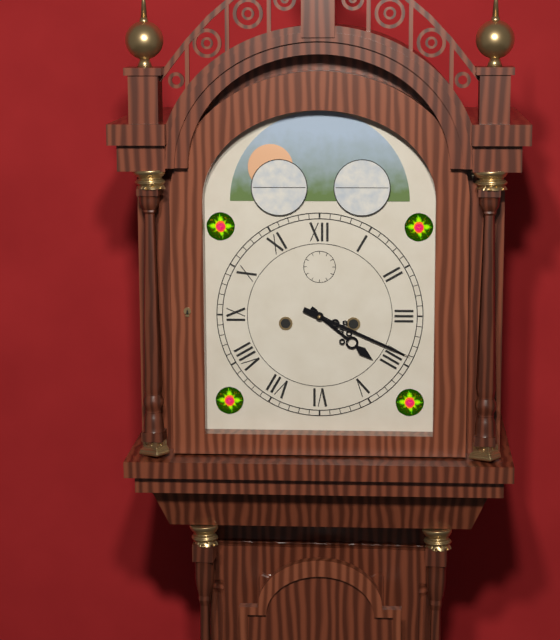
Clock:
4:19
